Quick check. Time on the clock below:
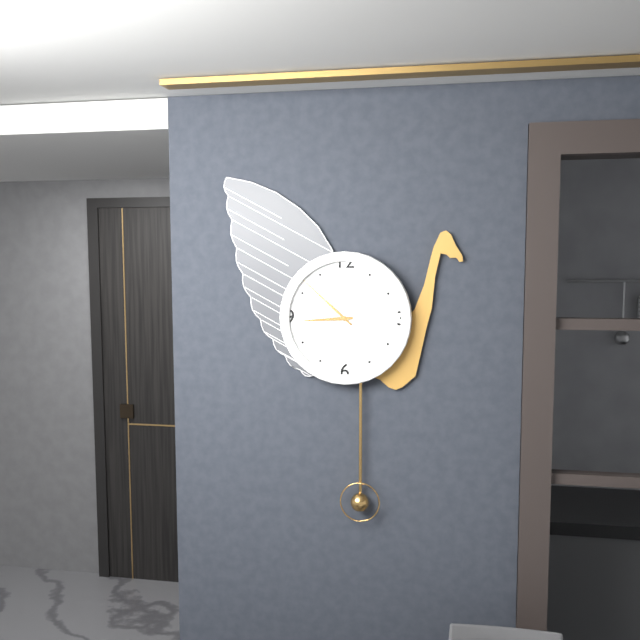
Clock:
8:52
